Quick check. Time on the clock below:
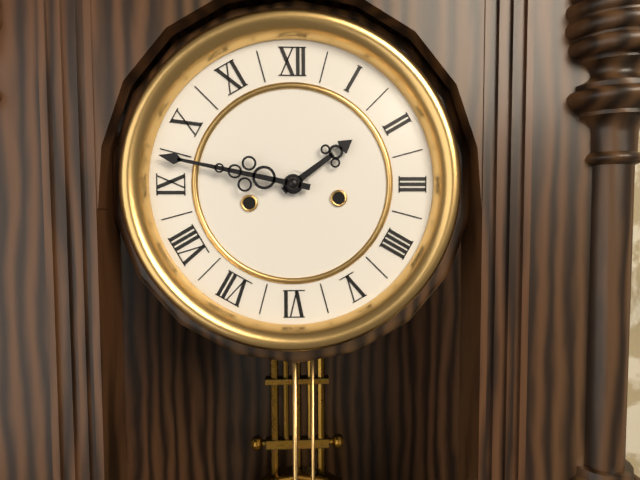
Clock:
1:47
